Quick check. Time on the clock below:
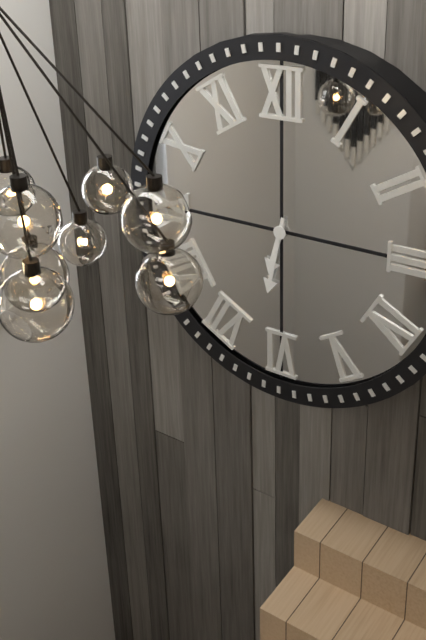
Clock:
6:32
